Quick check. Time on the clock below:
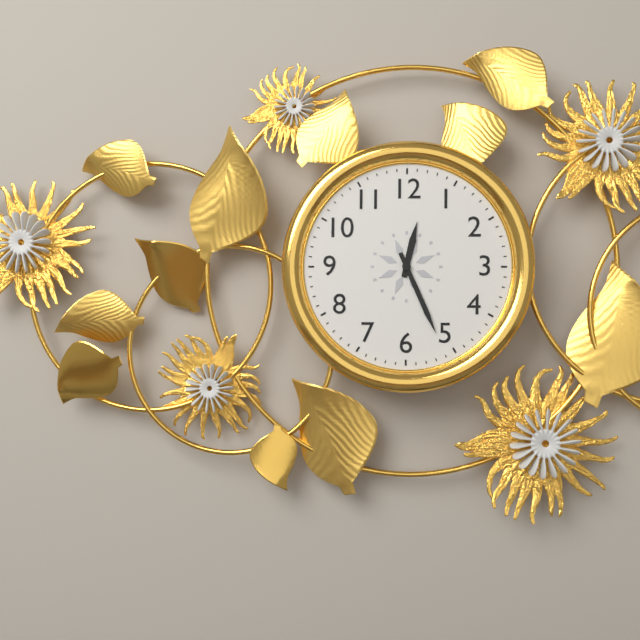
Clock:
12:26
